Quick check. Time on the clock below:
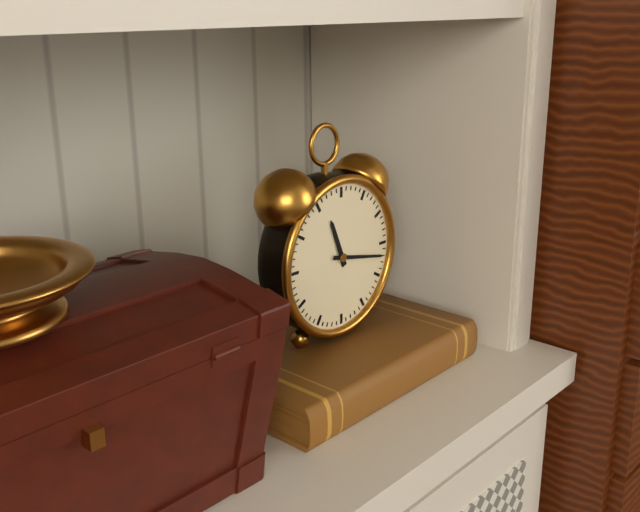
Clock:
11:17
